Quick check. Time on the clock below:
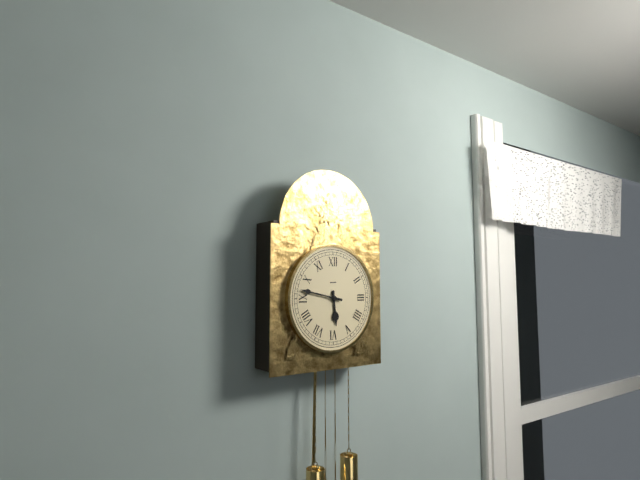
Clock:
5:47
